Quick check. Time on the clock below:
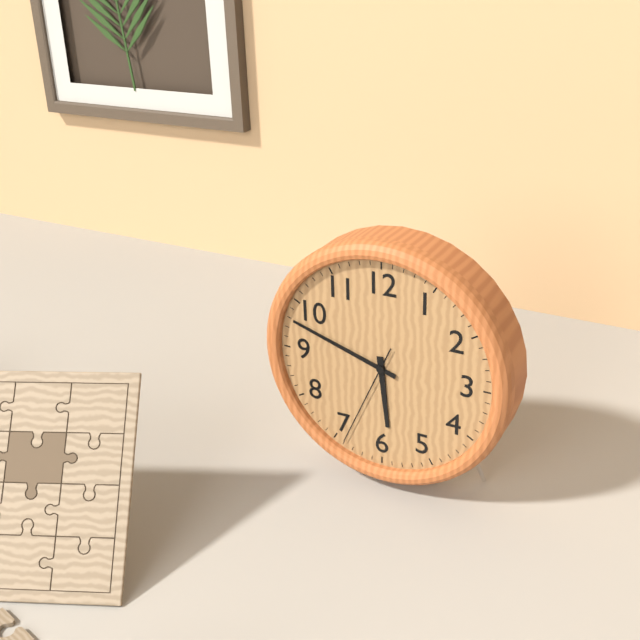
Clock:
5:48:34
